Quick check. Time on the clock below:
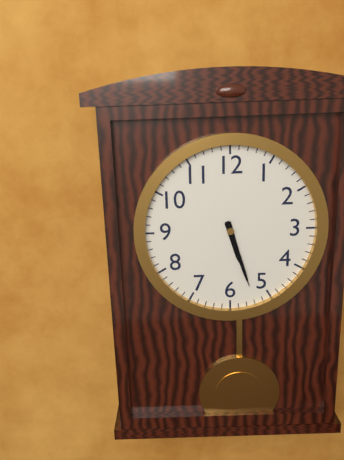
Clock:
5:27
